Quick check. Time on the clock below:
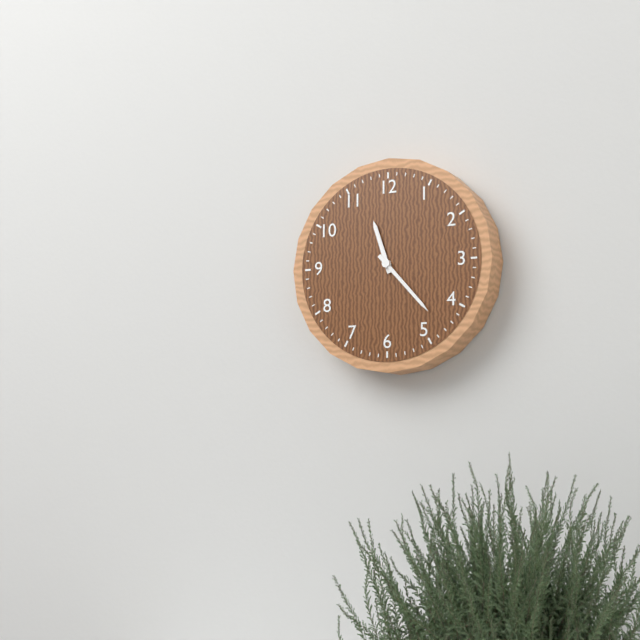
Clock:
11:23
